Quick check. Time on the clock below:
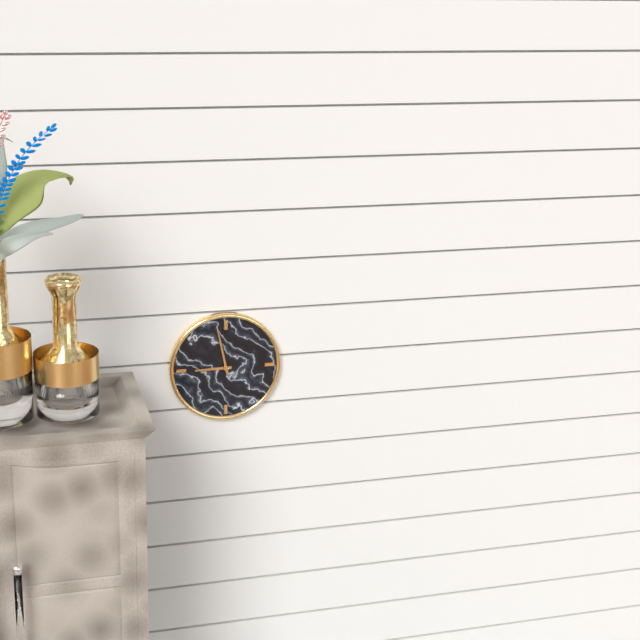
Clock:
8:58
